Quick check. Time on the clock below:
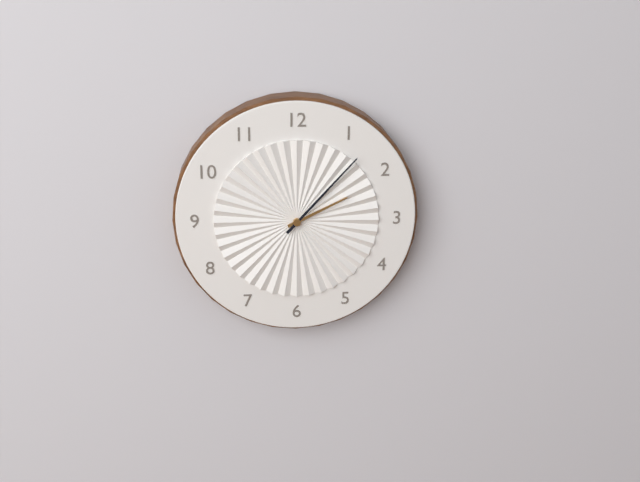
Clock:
2:07
